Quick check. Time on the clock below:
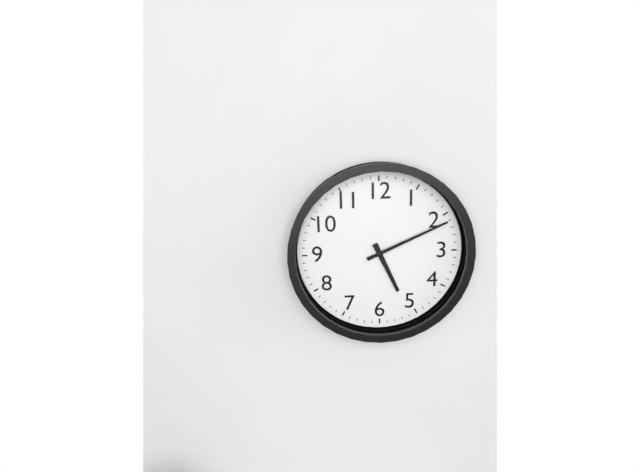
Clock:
5:11
